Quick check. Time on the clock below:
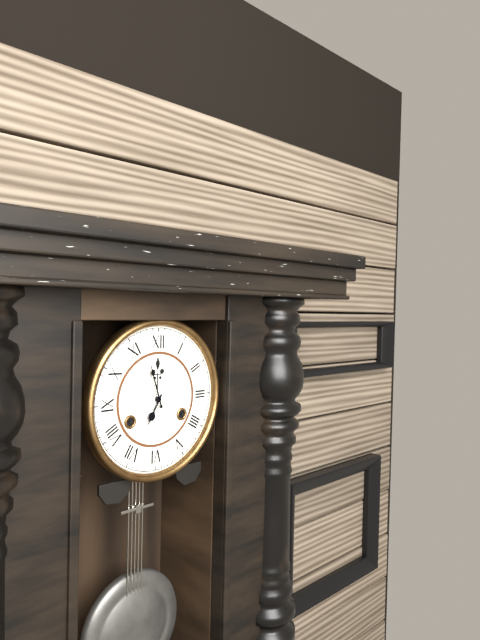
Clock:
6:57
